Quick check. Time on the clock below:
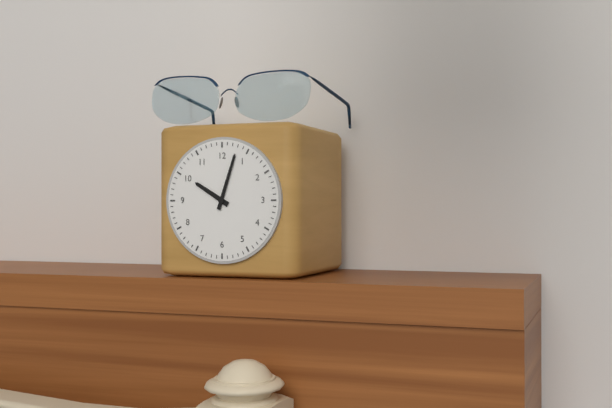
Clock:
10:03
